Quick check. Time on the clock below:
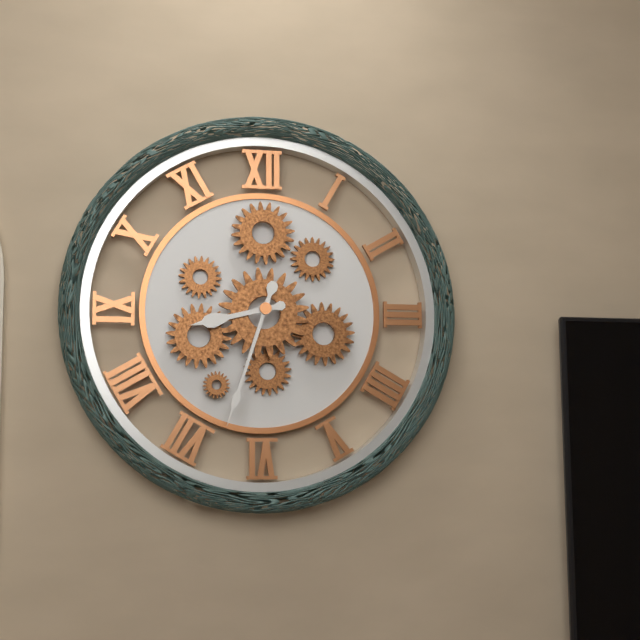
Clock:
8:33
